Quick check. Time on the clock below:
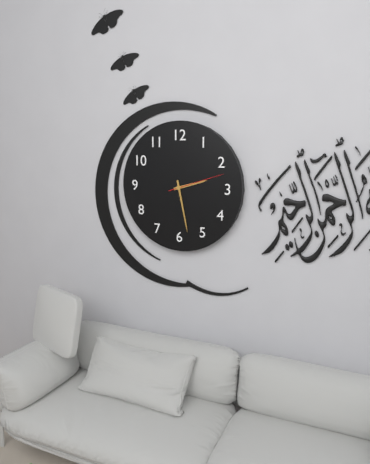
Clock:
2:28:12
